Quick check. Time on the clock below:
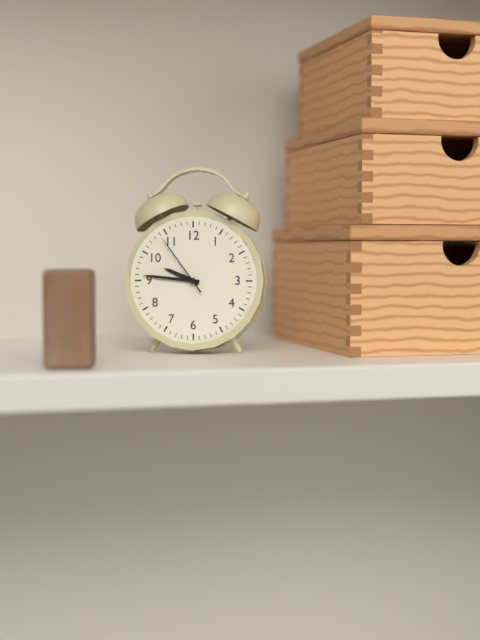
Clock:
9:46:54
